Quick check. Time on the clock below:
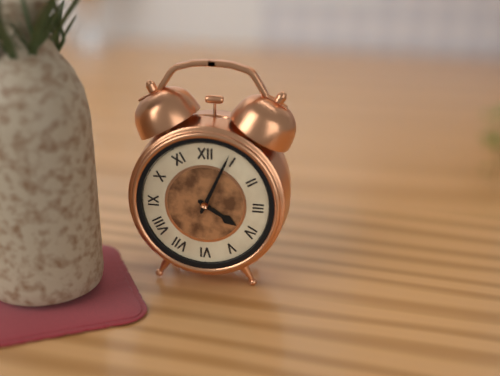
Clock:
4:04
